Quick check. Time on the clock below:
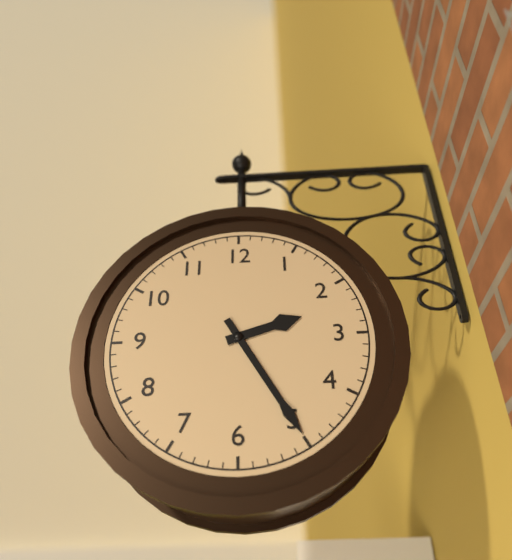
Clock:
2:25
